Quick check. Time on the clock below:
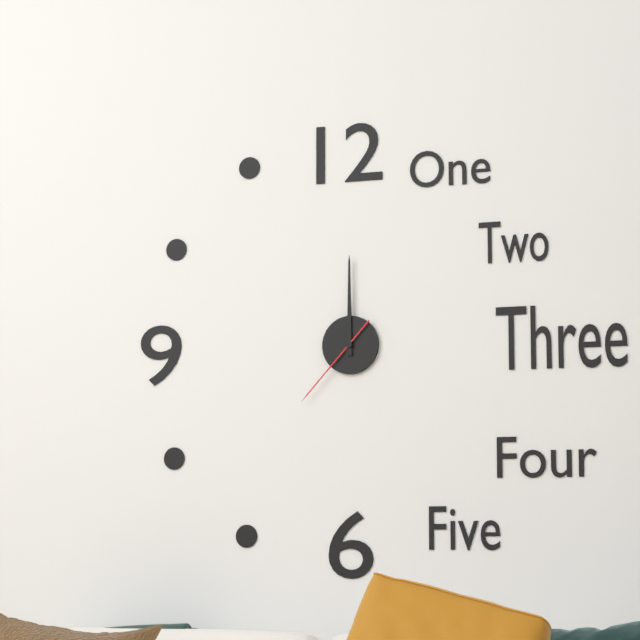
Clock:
12:00:37
